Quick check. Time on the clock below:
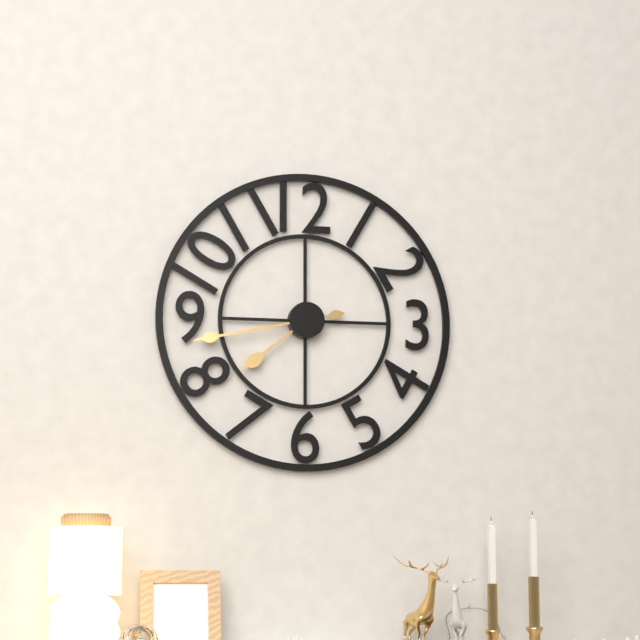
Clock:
7:43
